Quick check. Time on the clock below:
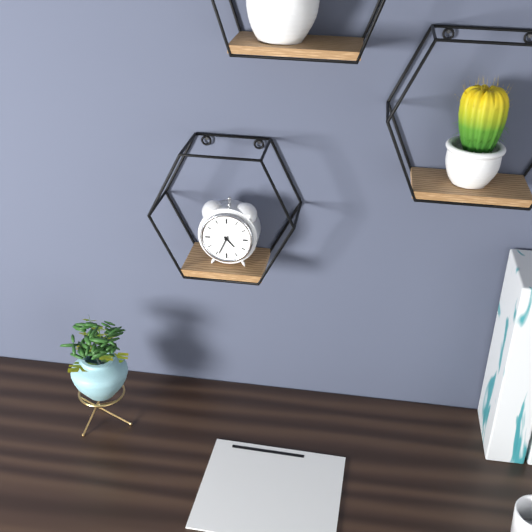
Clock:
4:34
